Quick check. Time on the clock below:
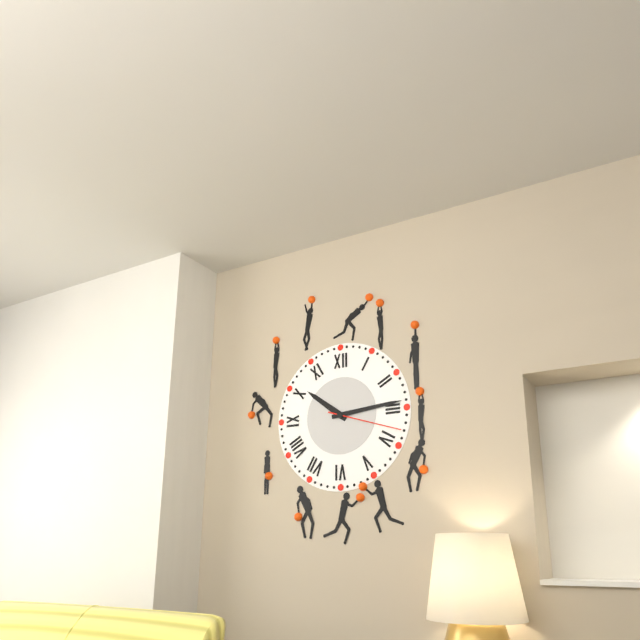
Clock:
10:14:18
